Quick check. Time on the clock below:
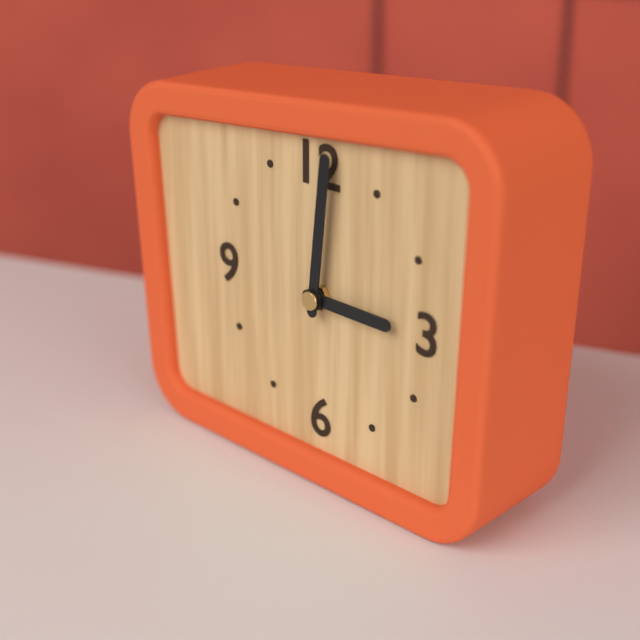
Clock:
3:01
